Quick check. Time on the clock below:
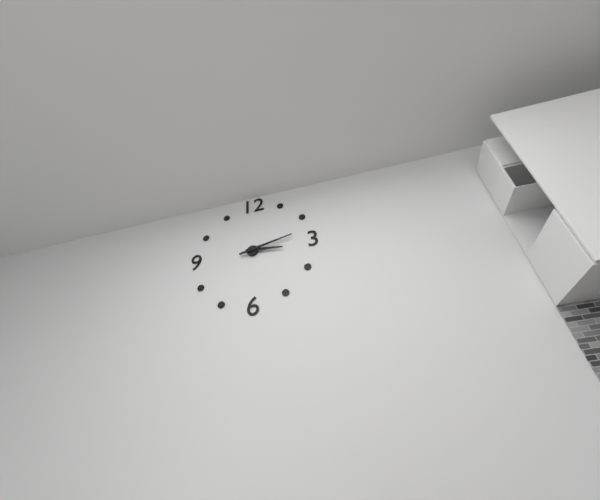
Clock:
3:13
